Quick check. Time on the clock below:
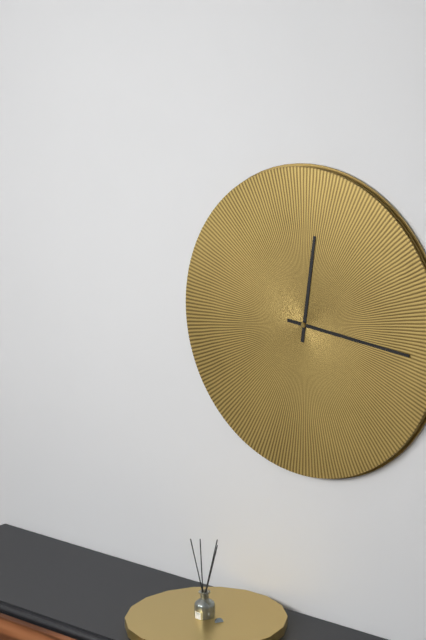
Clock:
12:16
